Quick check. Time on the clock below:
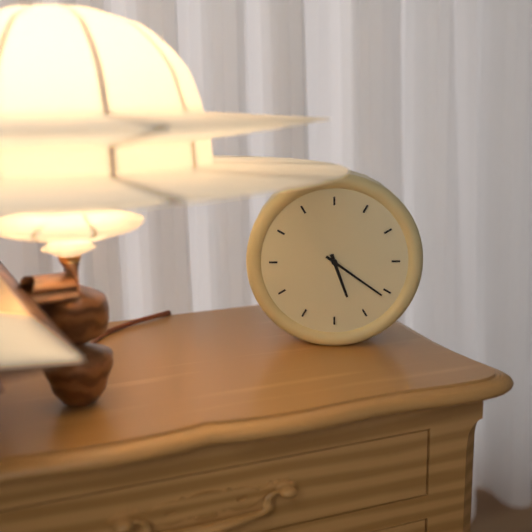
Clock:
5:21
